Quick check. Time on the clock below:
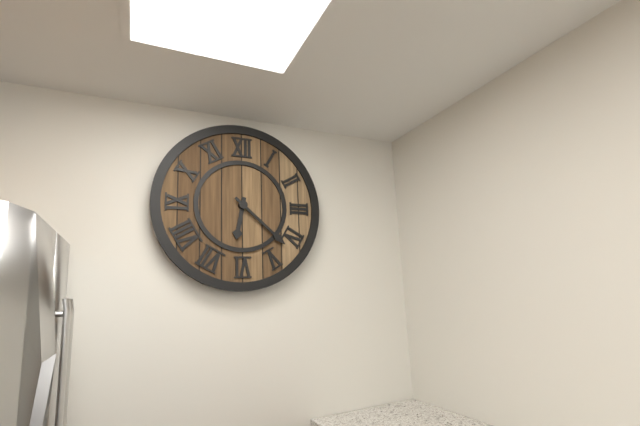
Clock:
6:22
